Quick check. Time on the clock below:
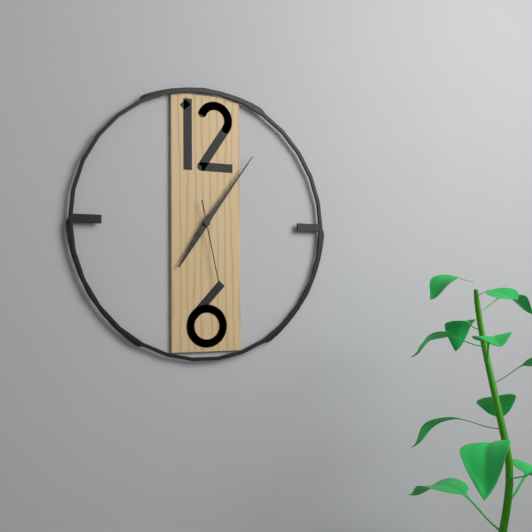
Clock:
7:06:28
